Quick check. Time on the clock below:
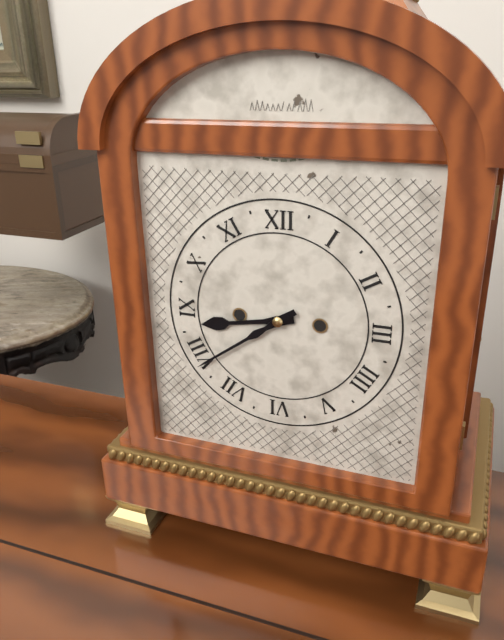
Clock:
8:39
